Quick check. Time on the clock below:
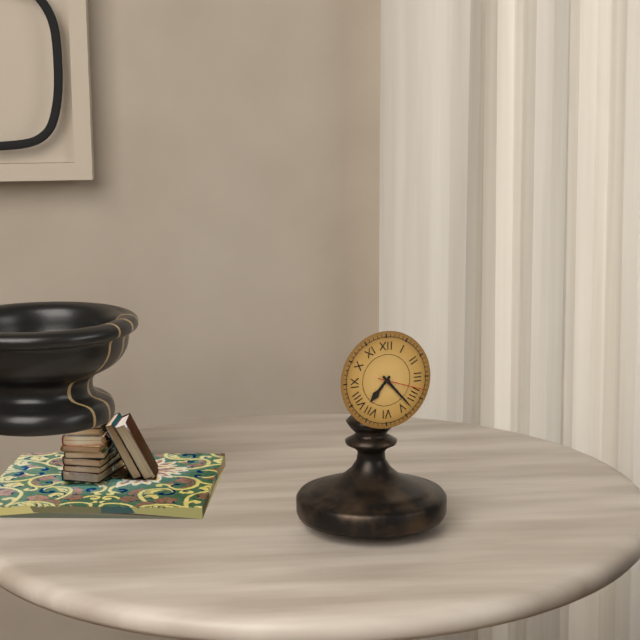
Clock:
7:23
